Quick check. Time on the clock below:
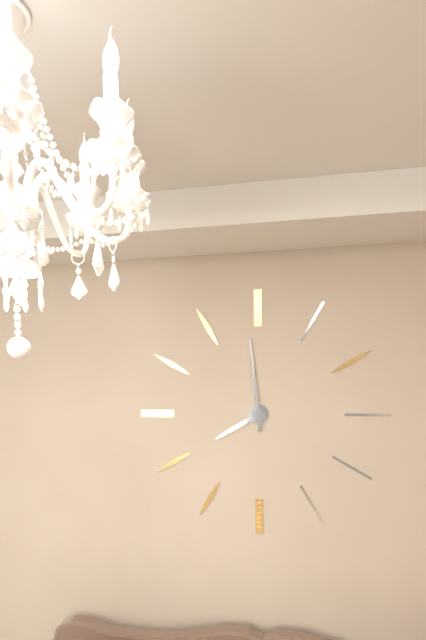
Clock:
7:59
